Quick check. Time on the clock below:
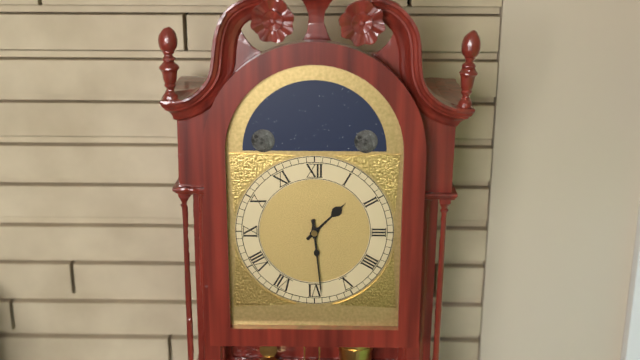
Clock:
1:29
